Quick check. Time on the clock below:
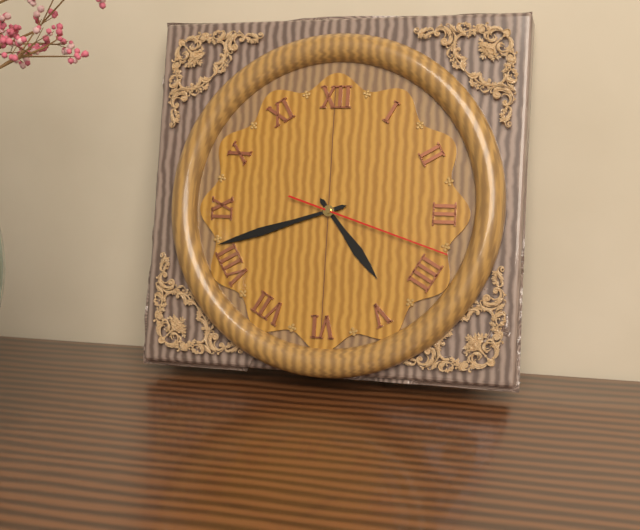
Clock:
4:42:18
